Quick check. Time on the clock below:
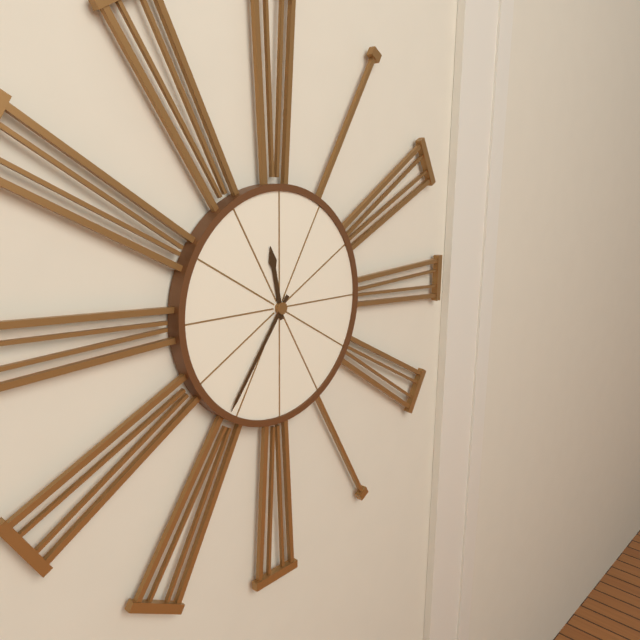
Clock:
11:36
